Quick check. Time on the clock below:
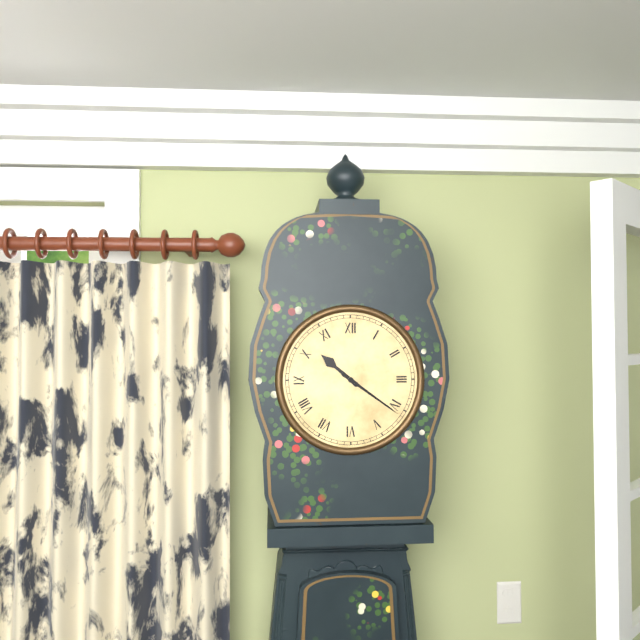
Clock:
10:21
